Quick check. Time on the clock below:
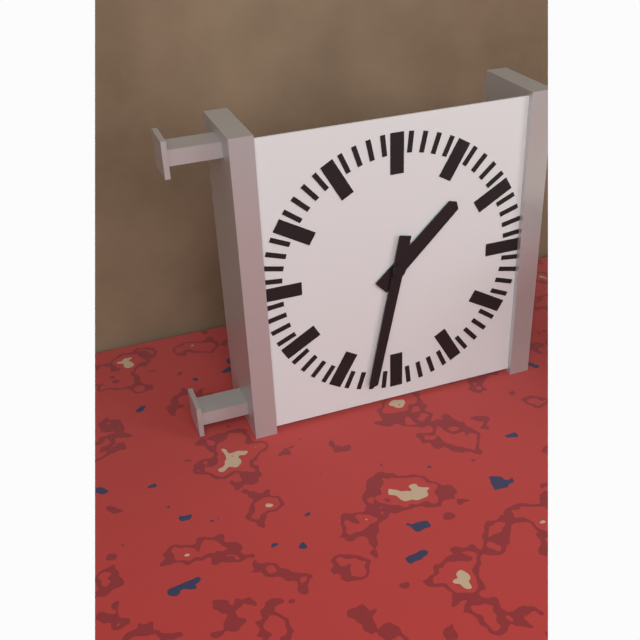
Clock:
1:32
